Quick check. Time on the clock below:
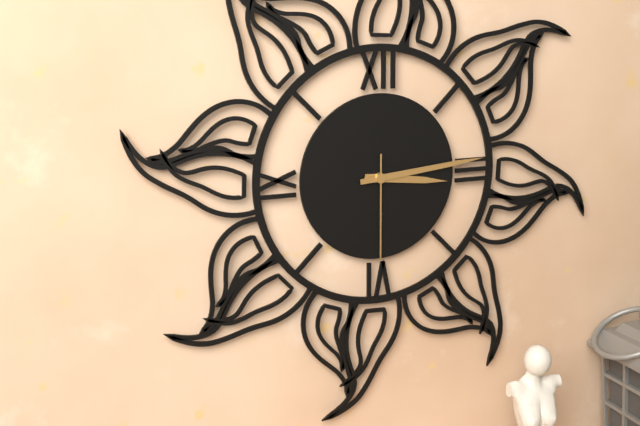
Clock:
3:14:30
